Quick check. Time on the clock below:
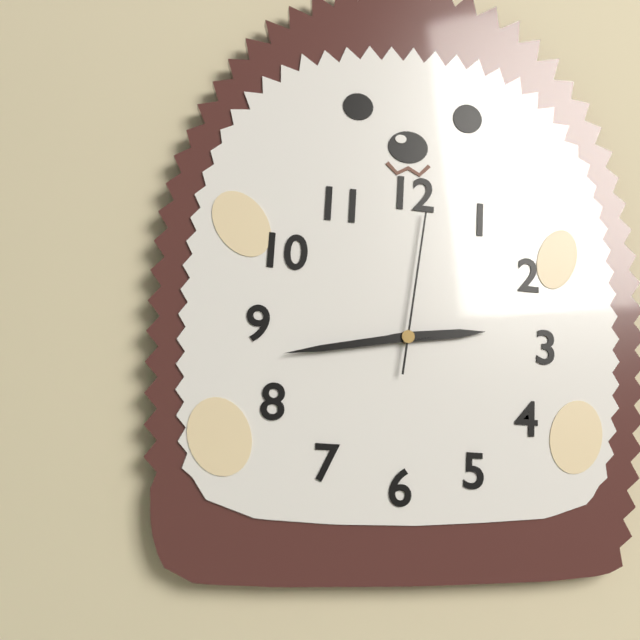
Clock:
2:43:01
